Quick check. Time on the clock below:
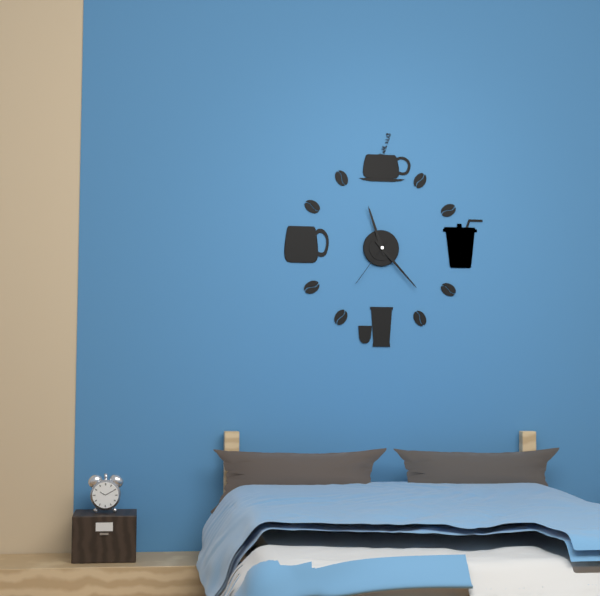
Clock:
11:23:36
